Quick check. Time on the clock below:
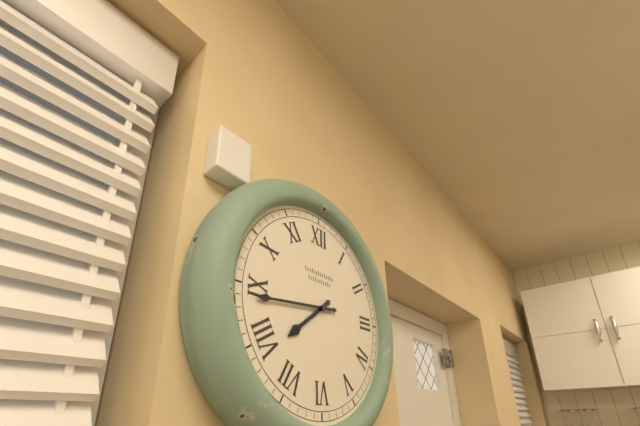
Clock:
7:44
